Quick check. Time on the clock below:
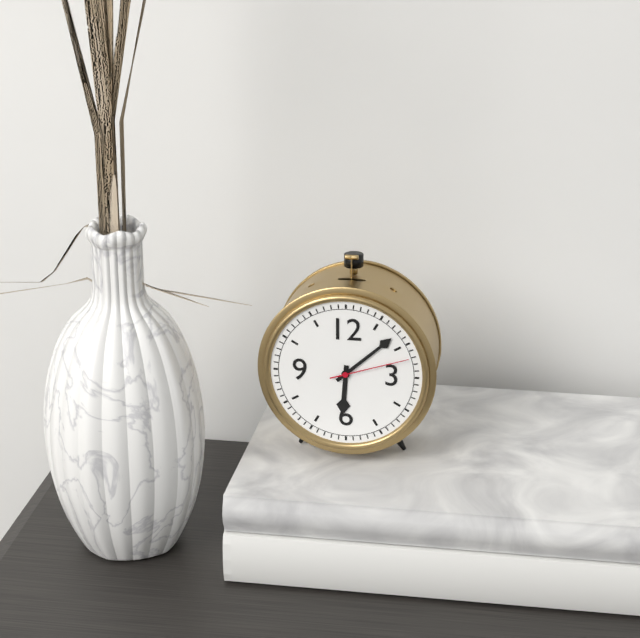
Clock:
6:08:12
